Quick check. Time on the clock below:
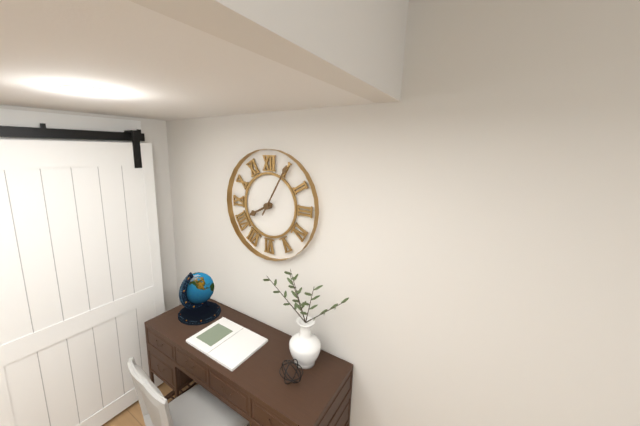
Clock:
8:05
